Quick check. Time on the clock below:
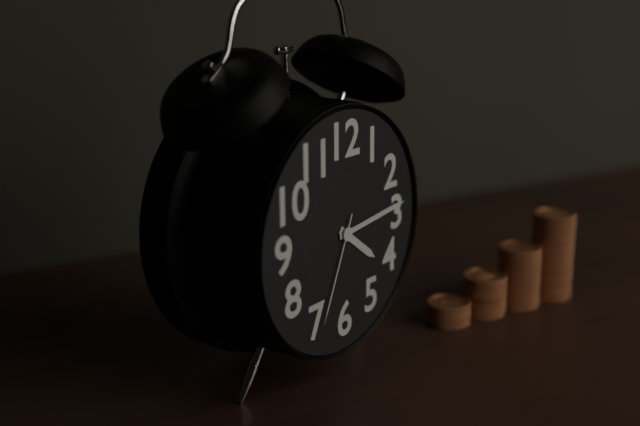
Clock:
4:14:34
